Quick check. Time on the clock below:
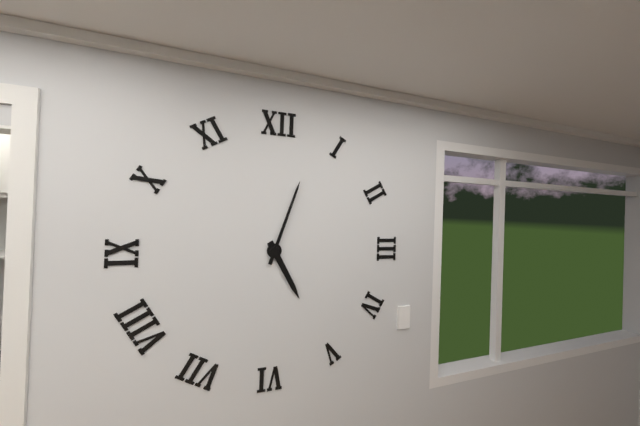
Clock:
5:03
